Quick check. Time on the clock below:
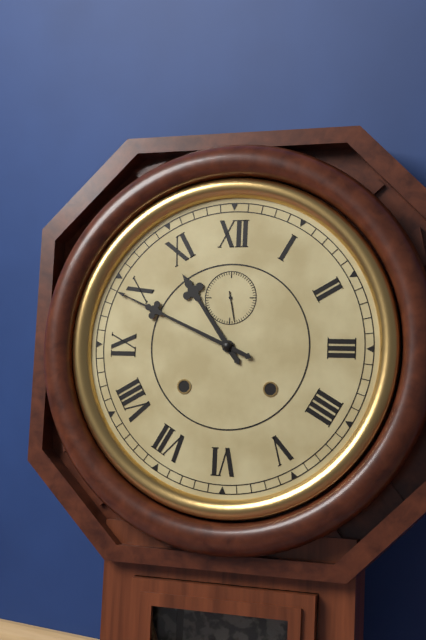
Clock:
10:49
